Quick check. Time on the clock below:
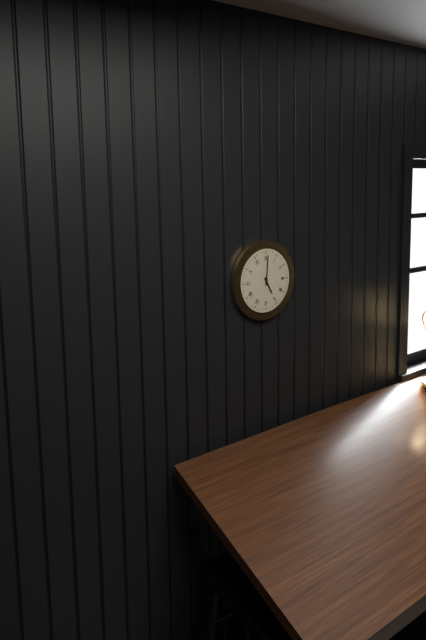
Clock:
5:01
